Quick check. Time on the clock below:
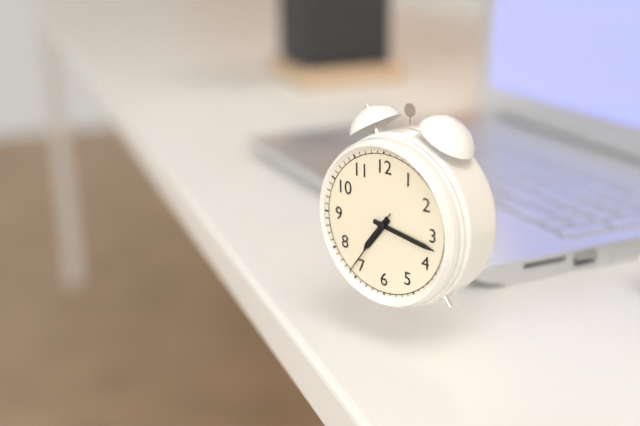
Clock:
7:17:36
